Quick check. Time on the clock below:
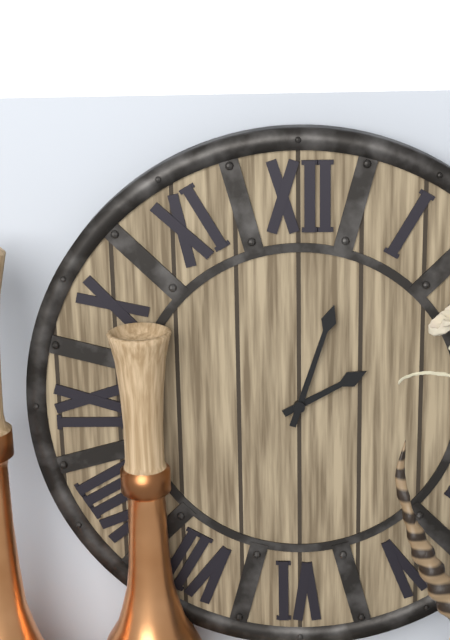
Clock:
2:03
